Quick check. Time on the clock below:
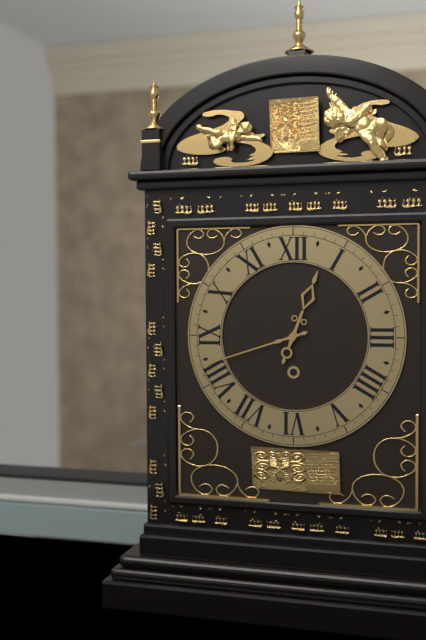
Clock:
12:42
